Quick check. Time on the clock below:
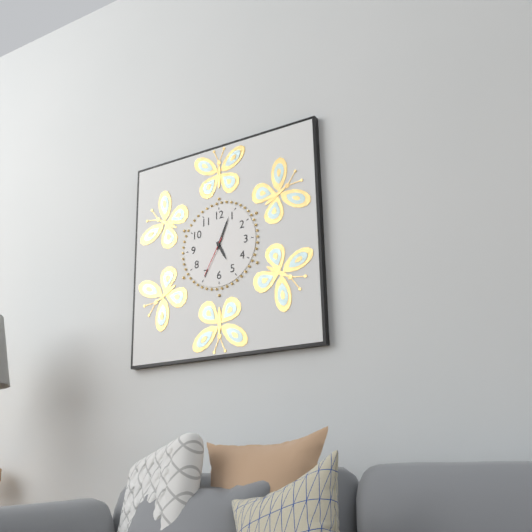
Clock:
5:04
